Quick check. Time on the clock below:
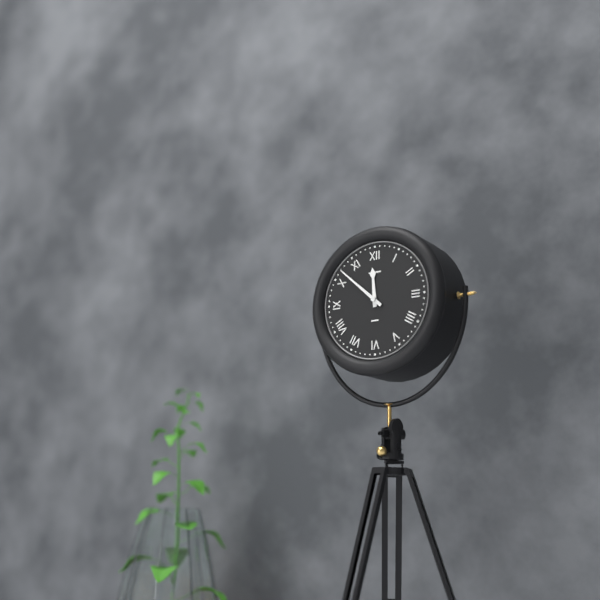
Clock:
11:52
